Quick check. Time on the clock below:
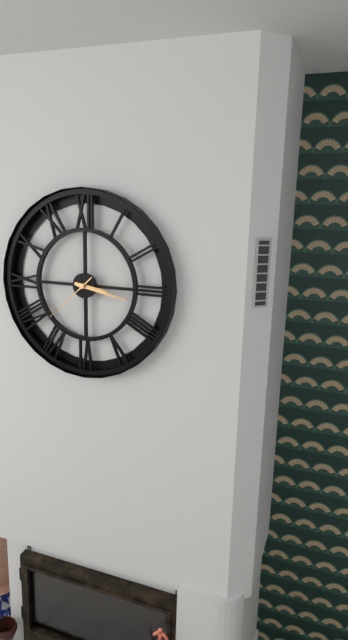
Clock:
3:17:38
